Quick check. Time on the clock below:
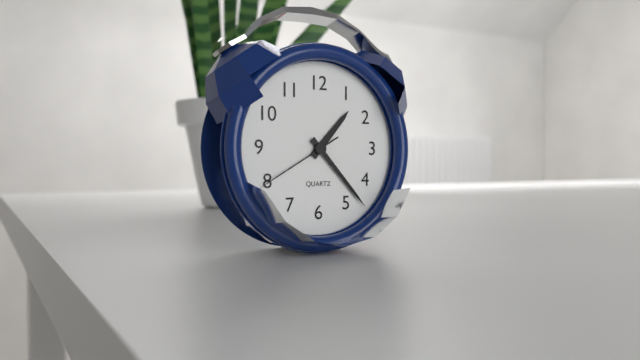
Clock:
1:23:40
